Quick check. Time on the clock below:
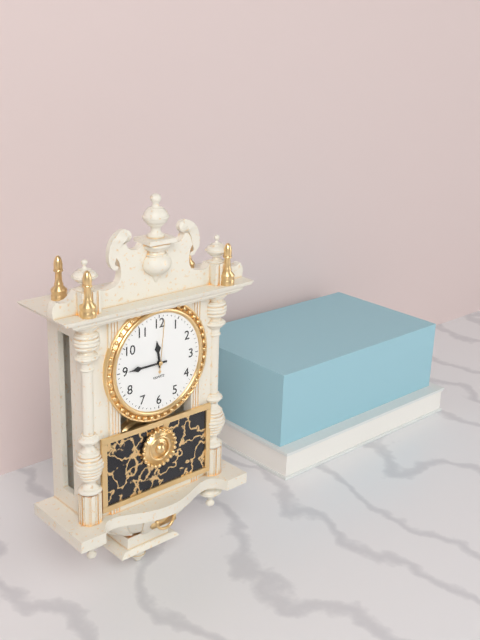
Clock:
11:45:01
